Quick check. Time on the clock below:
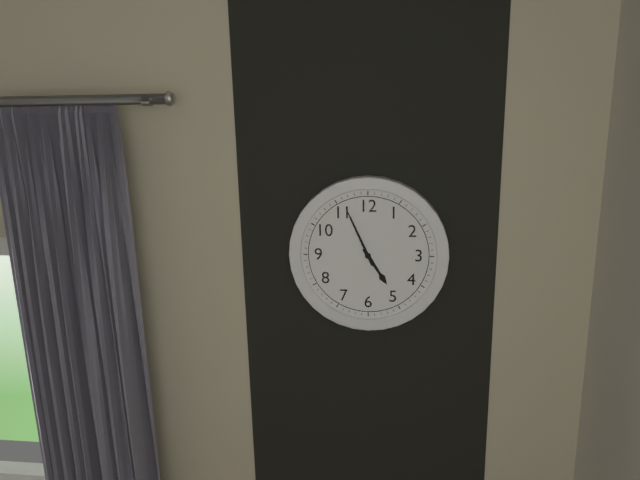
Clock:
4:56
